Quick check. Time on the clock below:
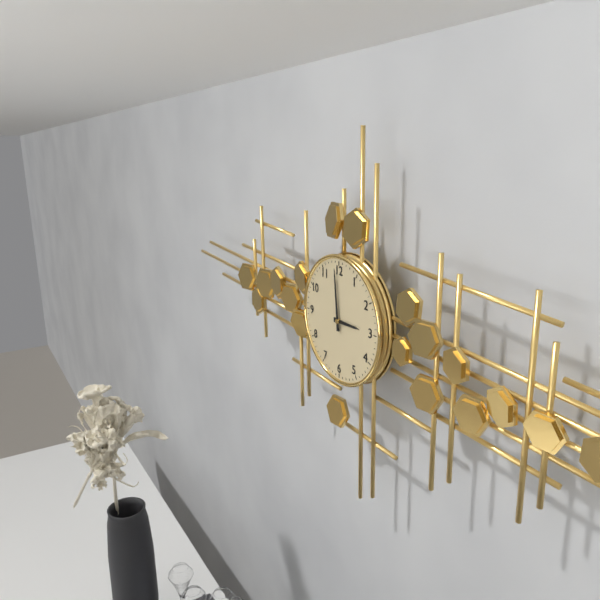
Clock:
2:59
